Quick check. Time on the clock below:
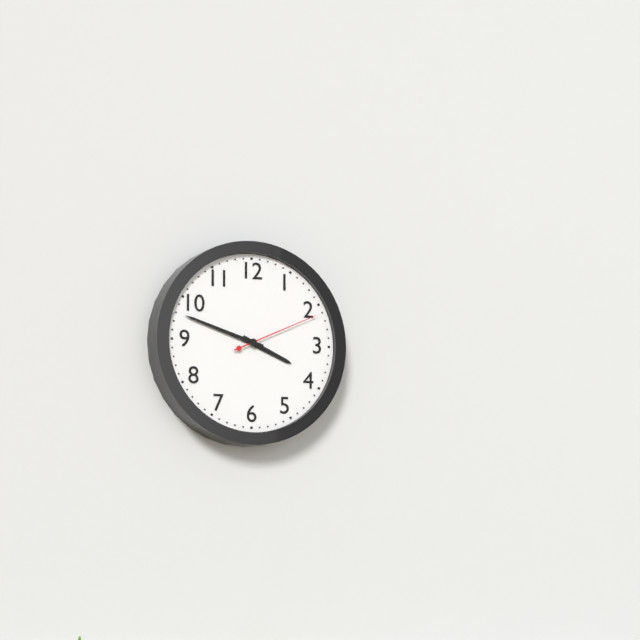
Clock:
3:48:11
